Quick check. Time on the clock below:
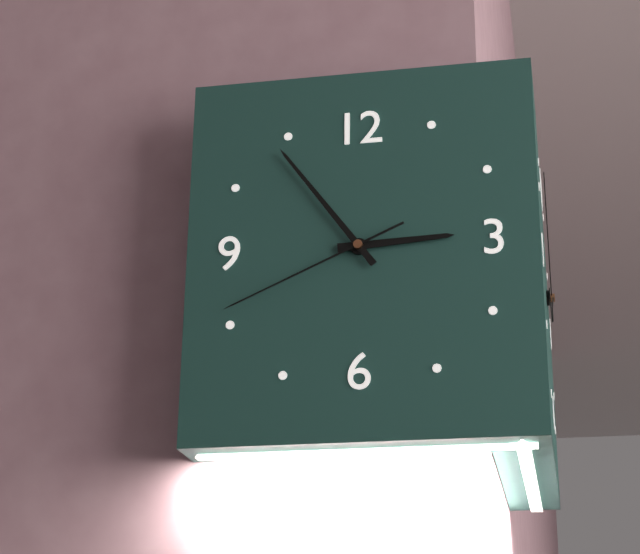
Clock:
2:54:41
